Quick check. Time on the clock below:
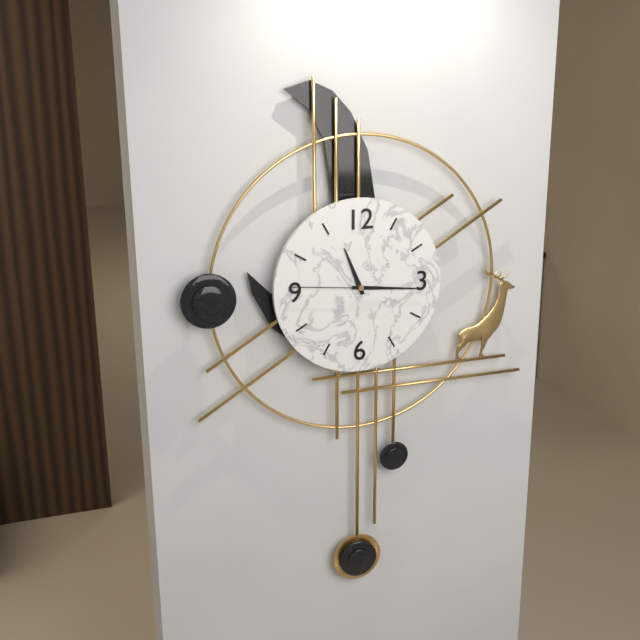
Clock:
11:16:46
